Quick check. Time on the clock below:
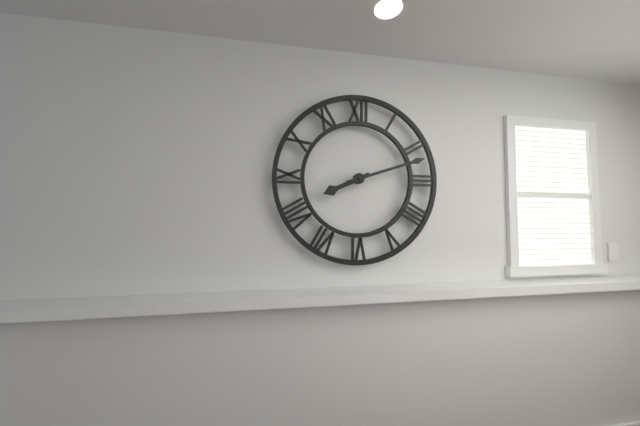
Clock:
8:12
